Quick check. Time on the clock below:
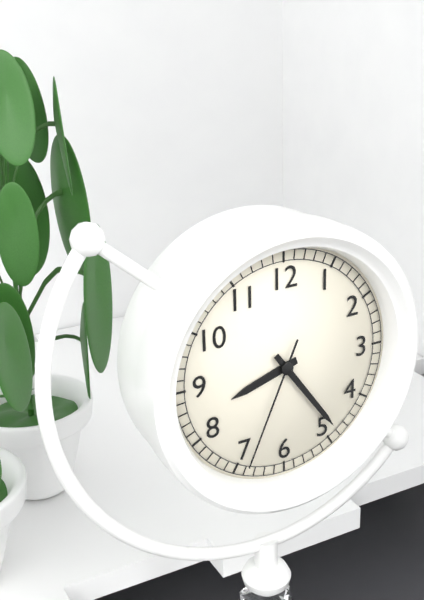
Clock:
8:24:34
